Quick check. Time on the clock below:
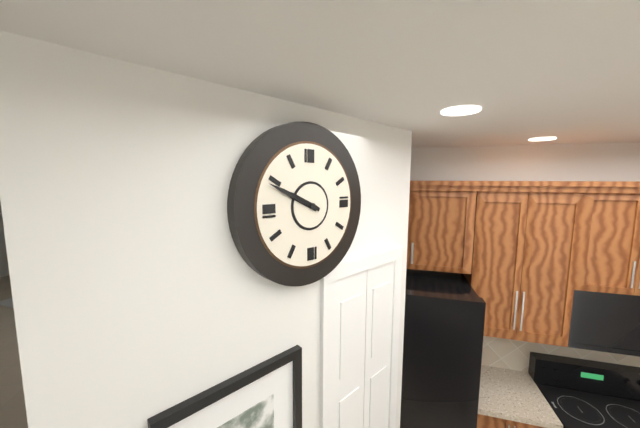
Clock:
9:49
